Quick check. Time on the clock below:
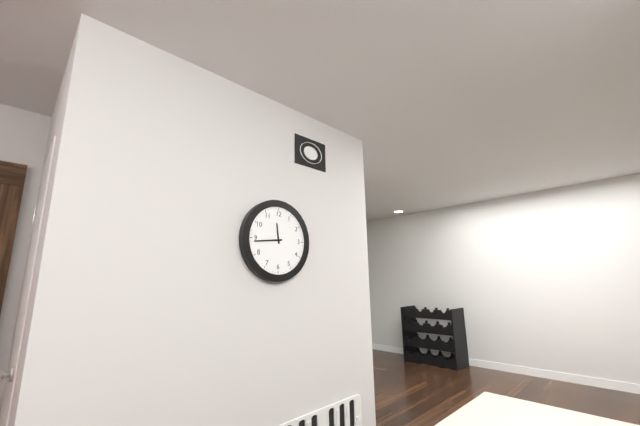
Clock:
11:44
